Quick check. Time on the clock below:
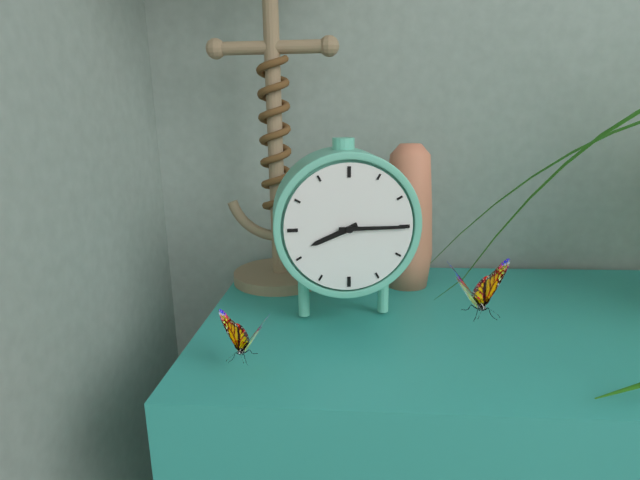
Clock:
8:15
